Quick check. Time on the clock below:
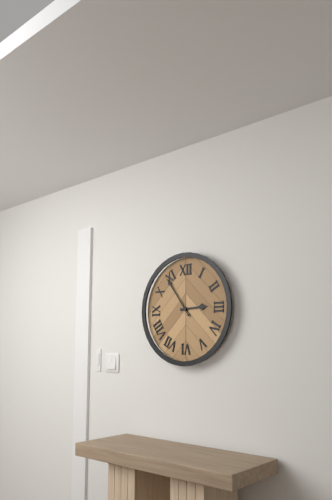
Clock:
2:54
